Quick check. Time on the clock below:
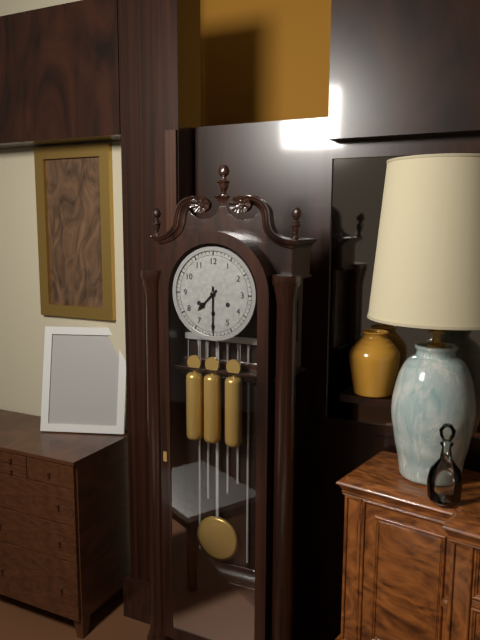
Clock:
7:30
